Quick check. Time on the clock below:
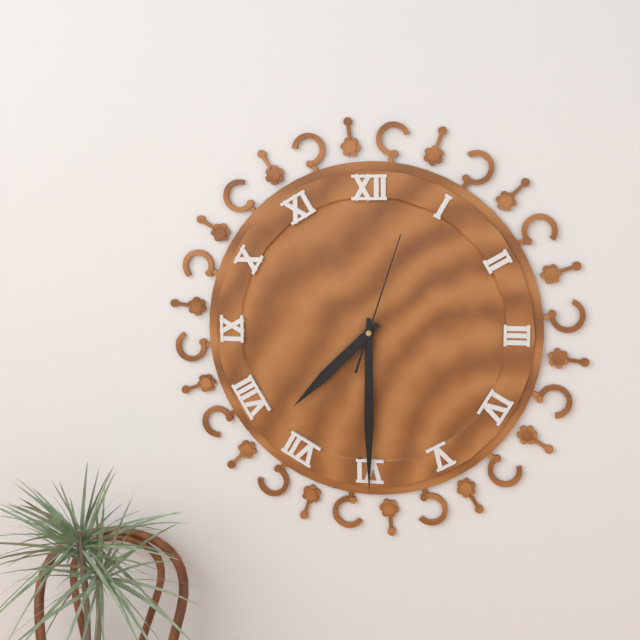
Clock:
7:30:03
